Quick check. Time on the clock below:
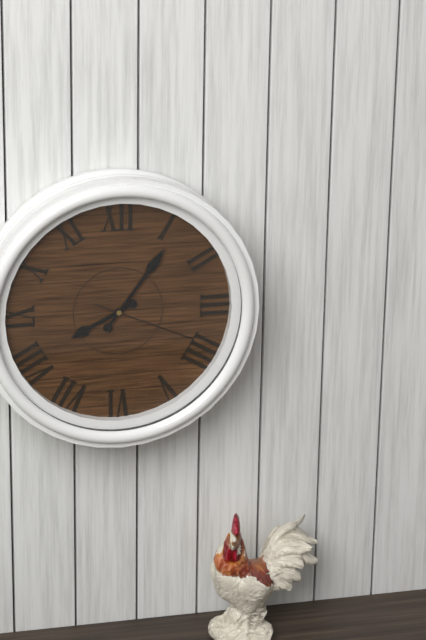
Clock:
8:06:19
